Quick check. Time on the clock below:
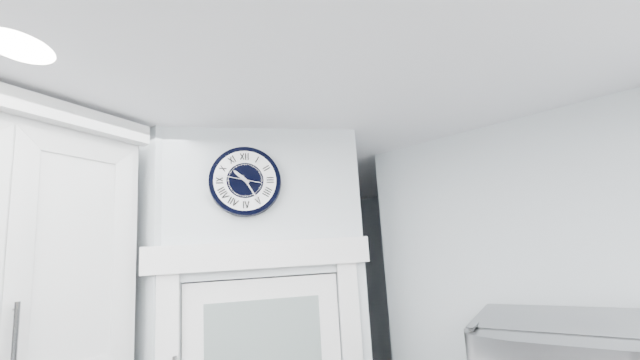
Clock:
10:25
